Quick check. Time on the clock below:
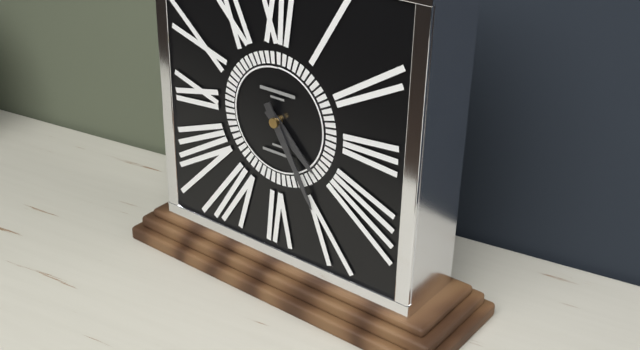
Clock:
4:25
